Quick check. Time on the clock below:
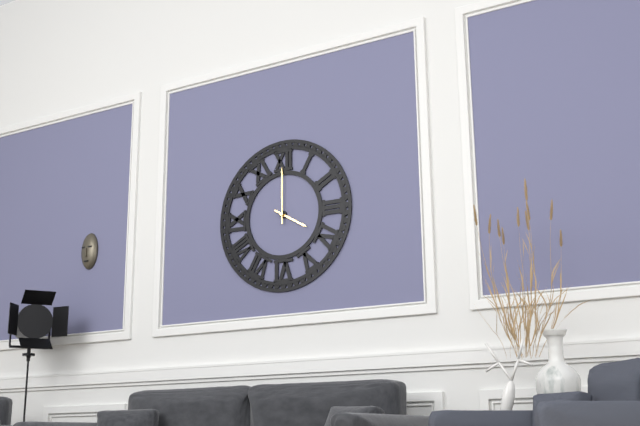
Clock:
4:00
